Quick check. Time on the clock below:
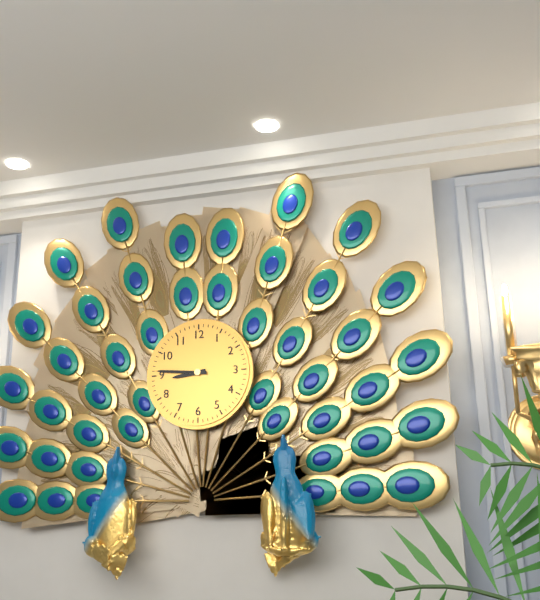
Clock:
8:46
